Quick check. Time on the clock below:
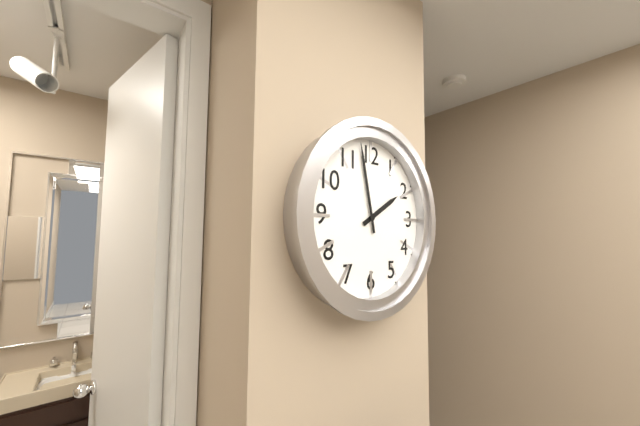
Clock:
1:58
